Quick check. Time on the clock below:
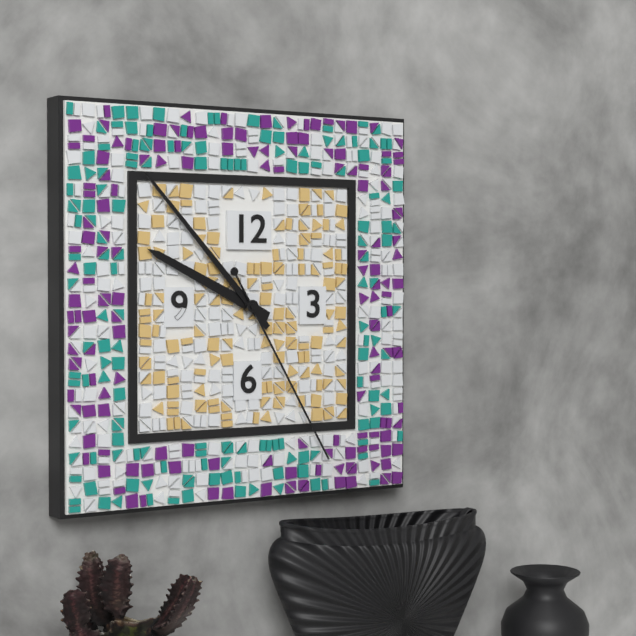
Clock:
9:53:25
